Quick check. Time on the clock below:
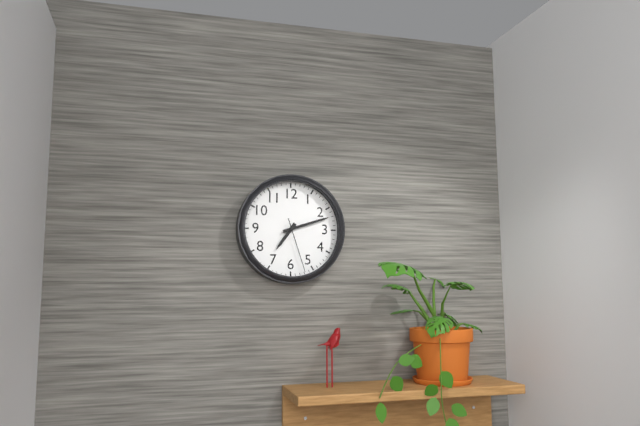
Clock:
7:12:27
